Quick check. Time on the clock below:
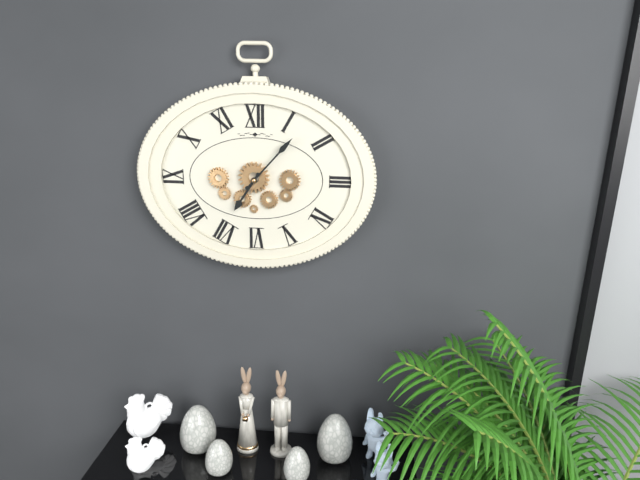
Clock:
7:07
